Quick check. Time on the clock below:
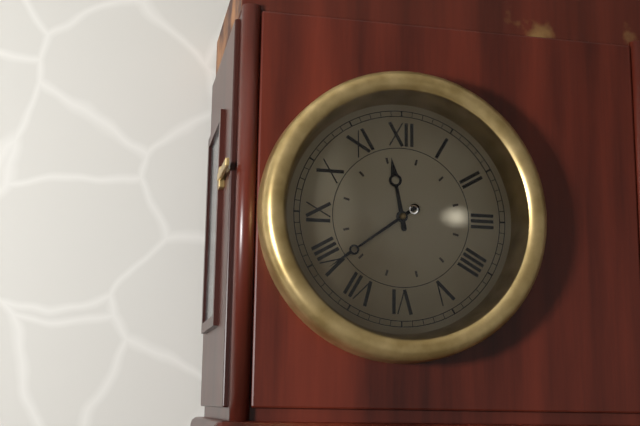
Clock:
11:39
